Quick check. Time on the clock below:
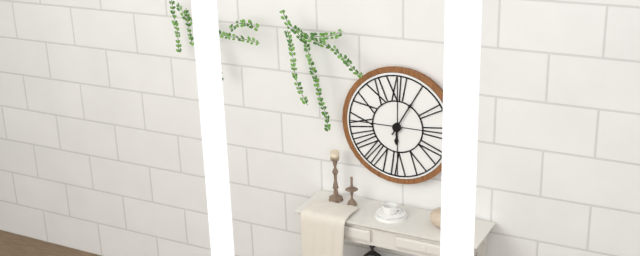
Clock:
6:05
